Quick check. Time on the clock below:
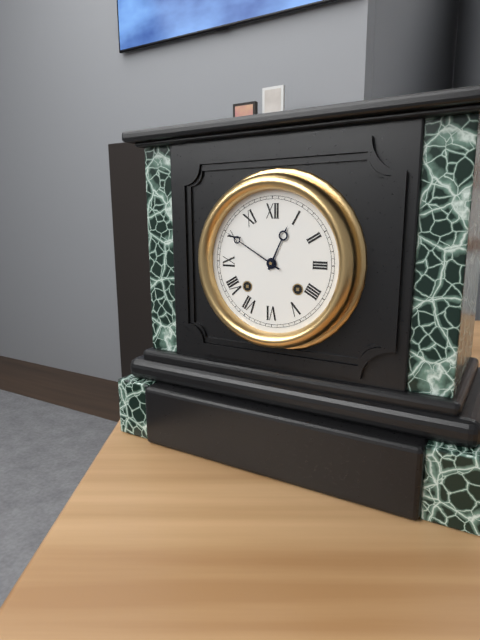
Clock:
12:50
